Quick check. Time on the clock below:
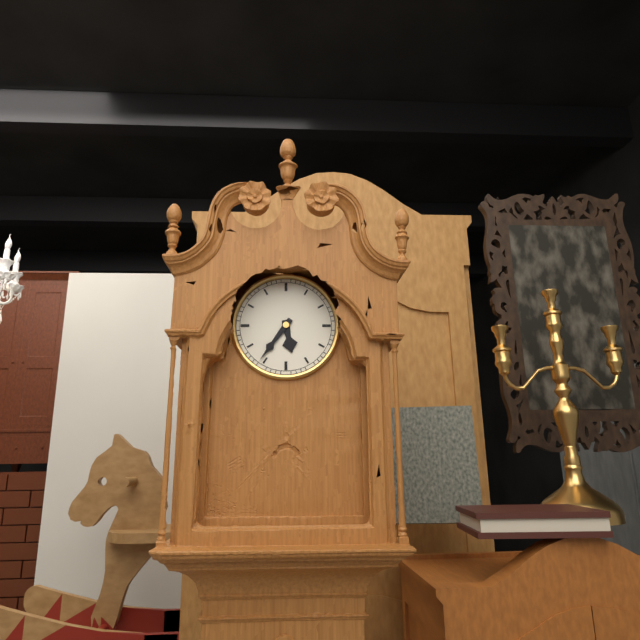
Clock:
5:36
